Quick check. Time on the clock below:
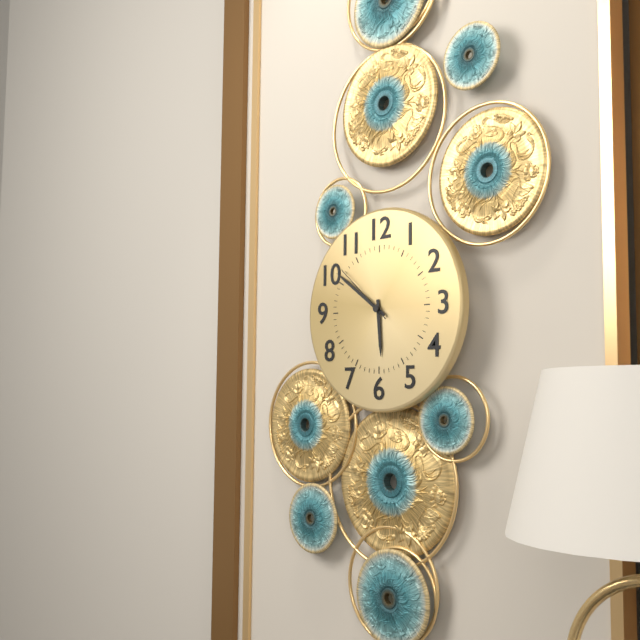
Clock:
5:51:52
